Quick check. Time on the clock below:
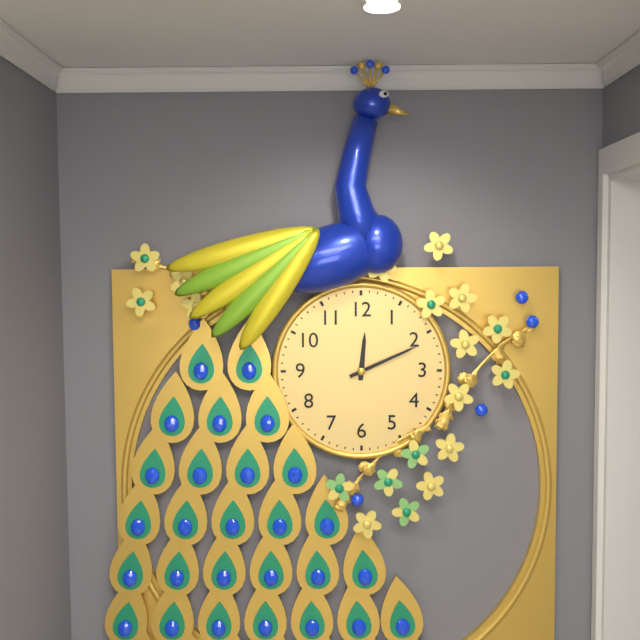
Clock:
12:11
